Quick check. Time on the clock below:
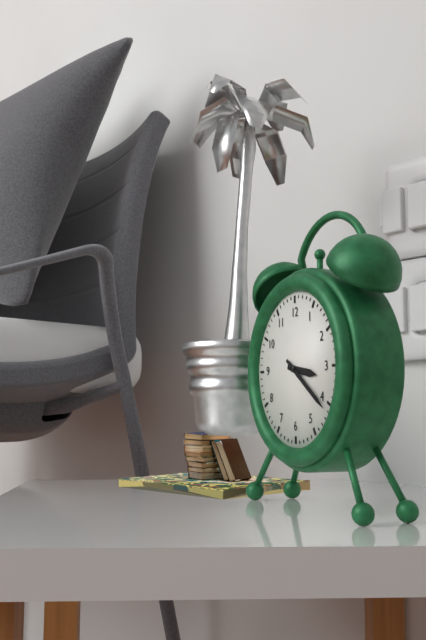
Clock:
3:21
